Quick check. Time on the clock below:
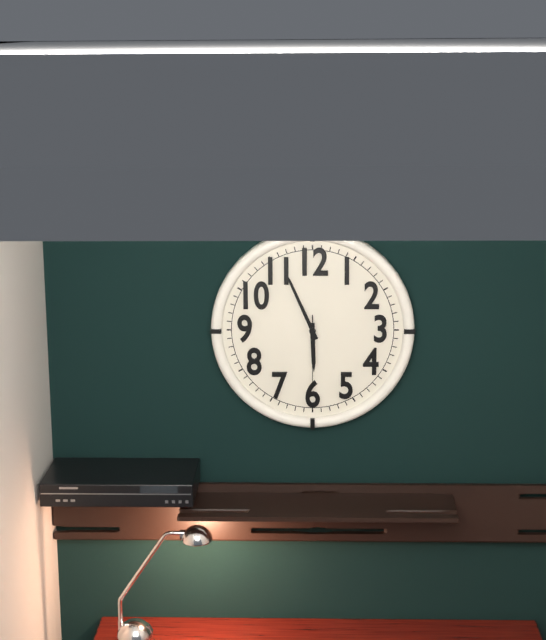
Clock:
5:56:30
